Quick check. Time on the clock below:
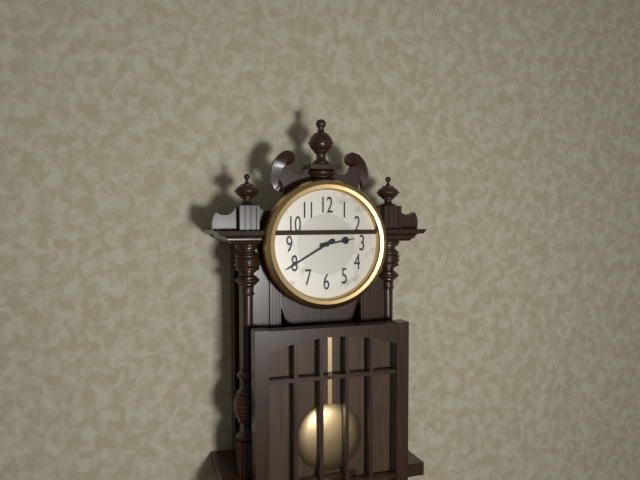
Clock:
2:40
